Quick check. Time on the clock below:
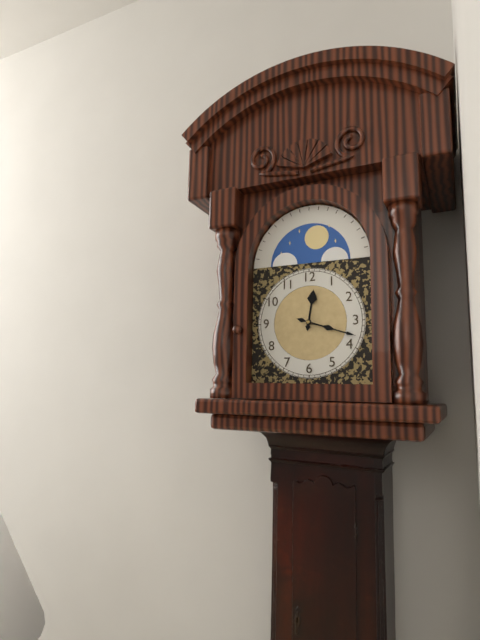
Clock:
12:18
